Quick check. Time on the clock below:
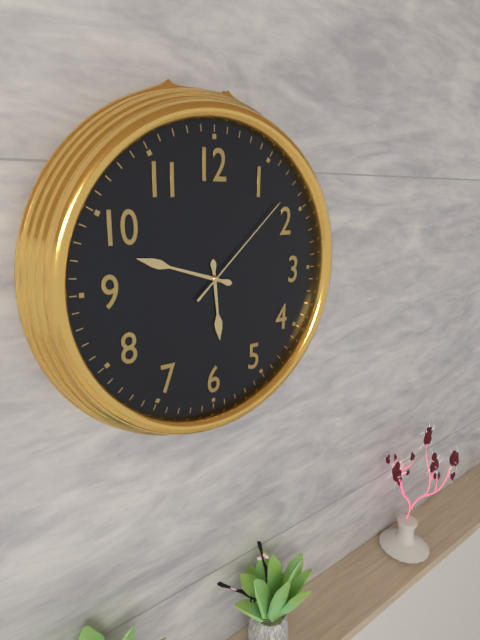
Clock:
5:48:08
